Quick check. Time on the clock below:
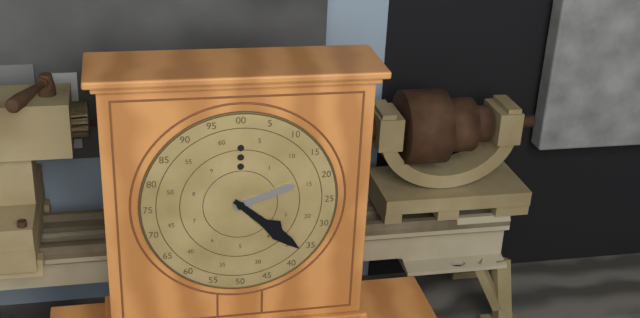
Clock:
2:22
